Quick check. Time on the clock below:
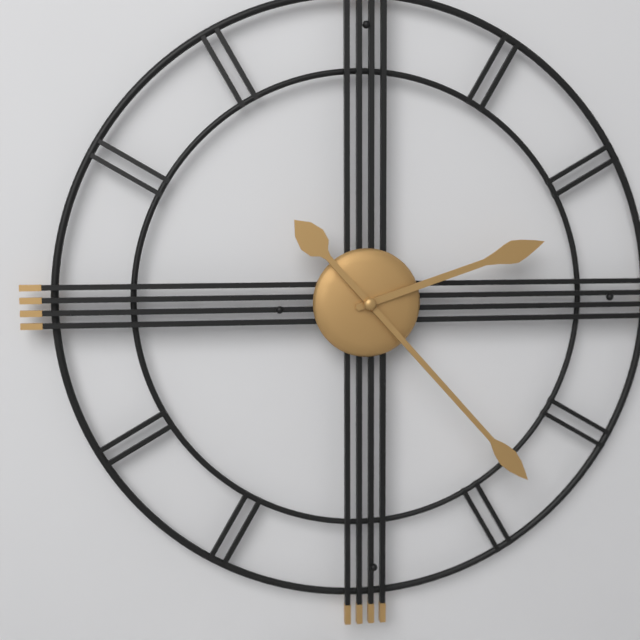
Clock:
2:23
